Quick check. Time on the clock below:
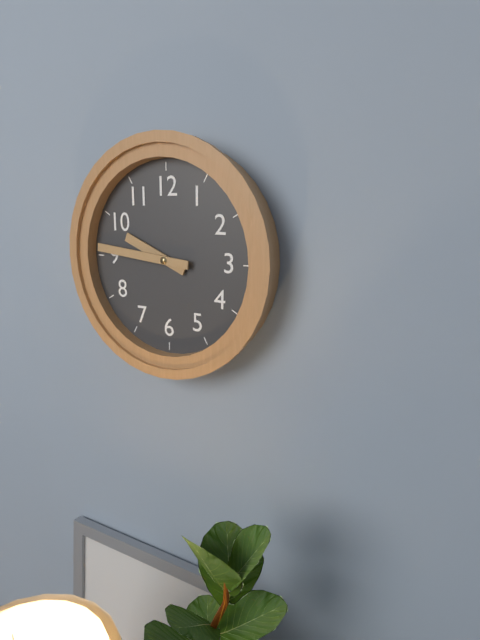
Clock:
9:46
